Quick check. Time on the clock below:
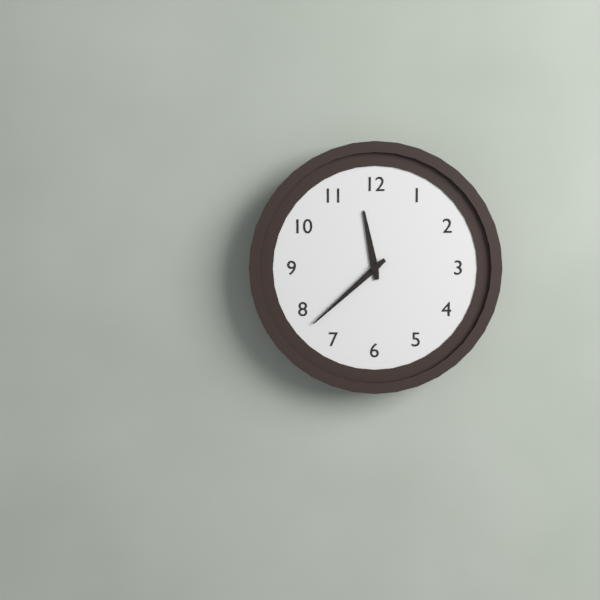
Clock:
11:38
